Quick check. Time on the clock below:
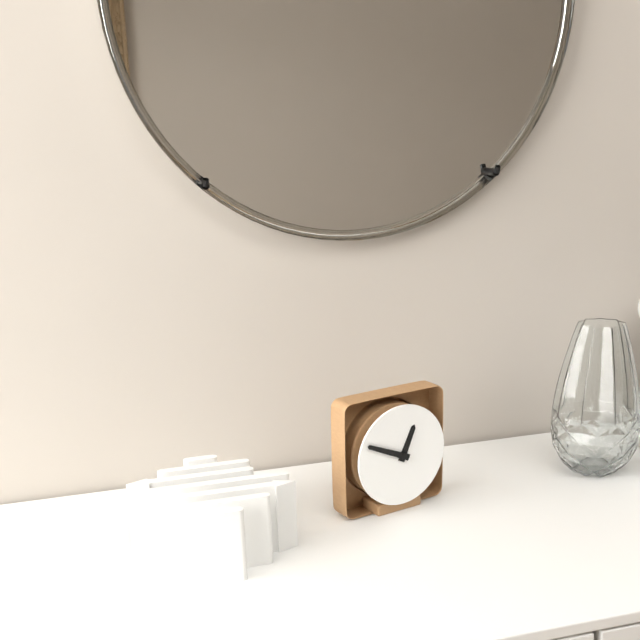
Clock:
12:49
